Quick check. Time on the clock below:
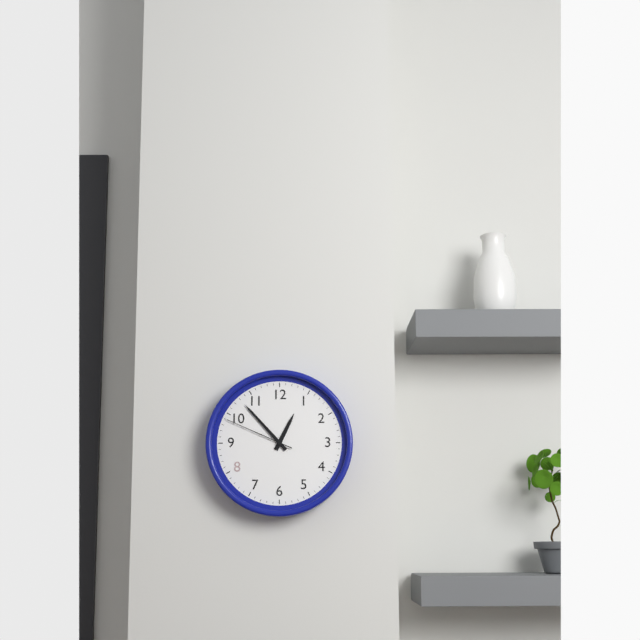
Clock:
12:53:49
